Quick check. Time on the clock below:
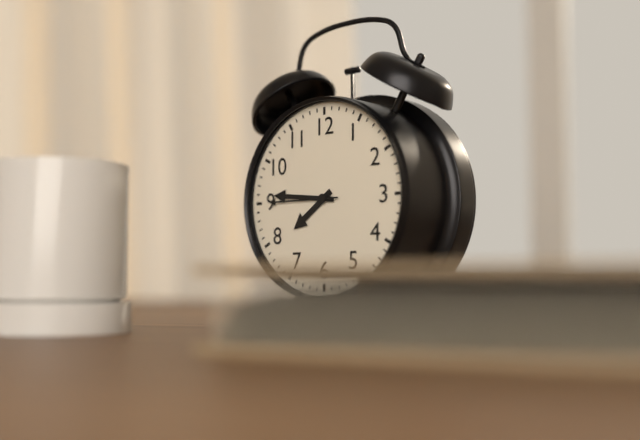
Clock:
7:46:45
